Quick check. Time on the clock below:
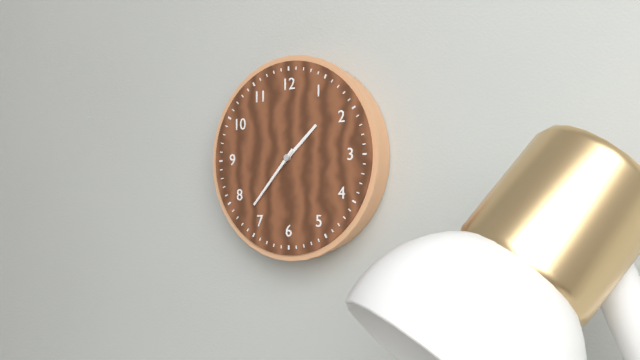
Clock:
1:37
